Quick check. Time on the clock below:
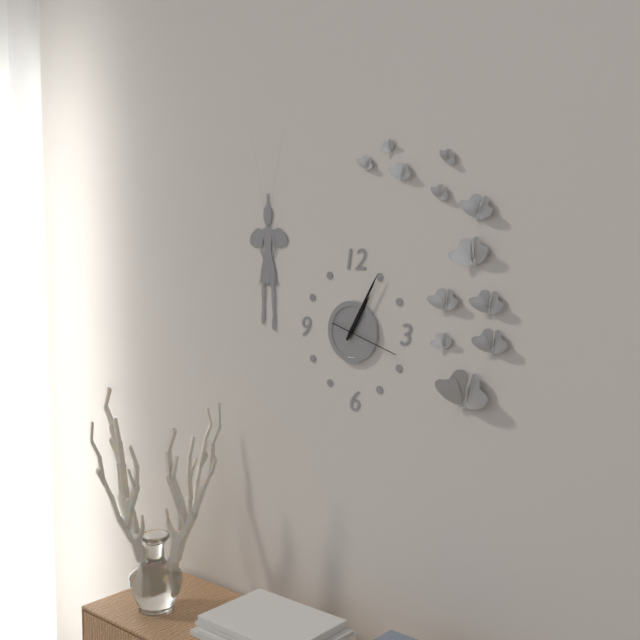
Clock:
1:05:18
